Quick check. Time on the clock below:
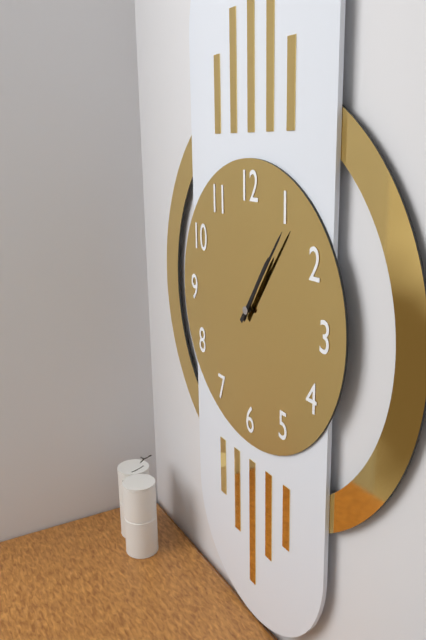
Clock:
1:06
